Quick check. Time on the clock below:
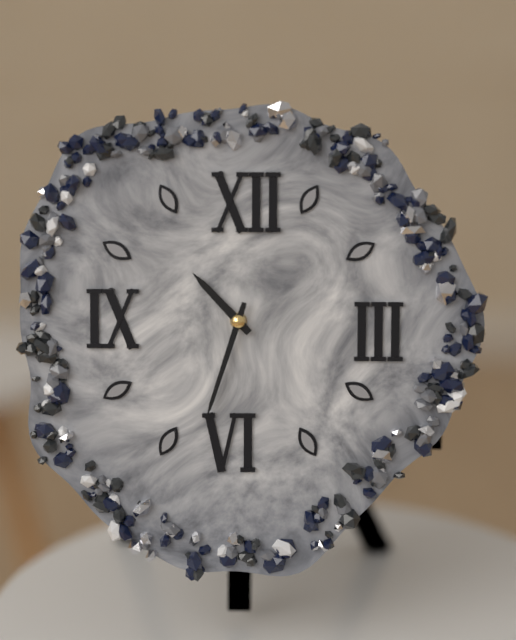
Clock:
10:33
